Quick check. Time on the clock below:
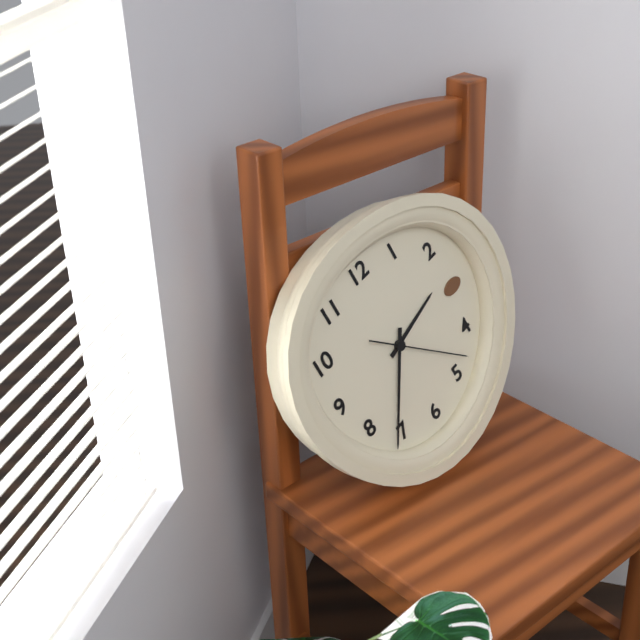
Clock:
2:36:23
